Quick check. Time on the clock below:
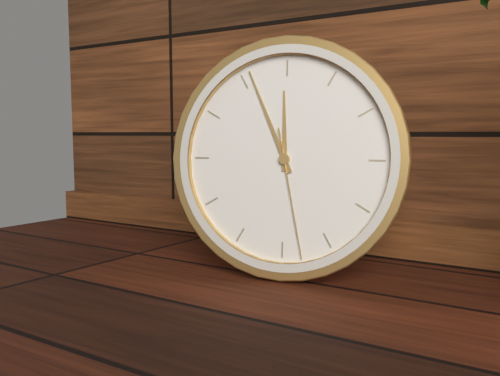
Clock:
11:56:28
